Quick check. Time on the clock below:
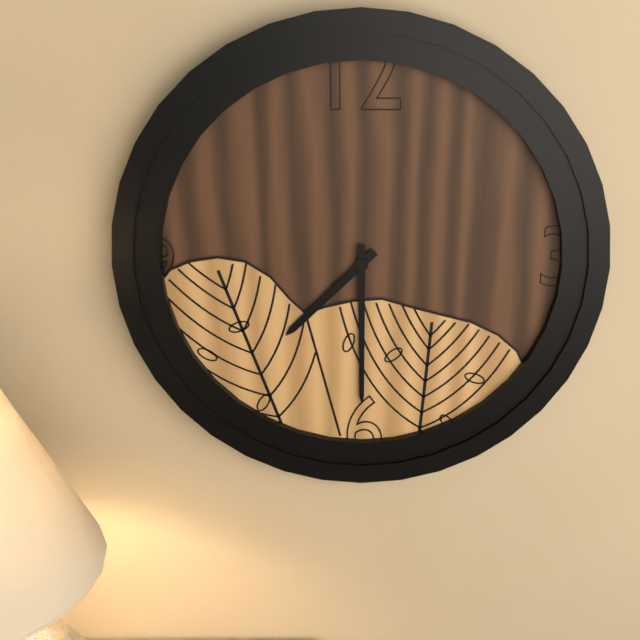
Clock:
7:30
